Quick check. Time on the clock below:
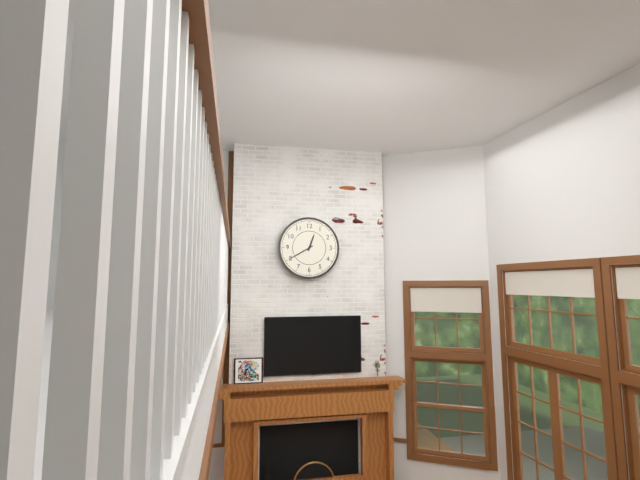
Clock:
12:40
